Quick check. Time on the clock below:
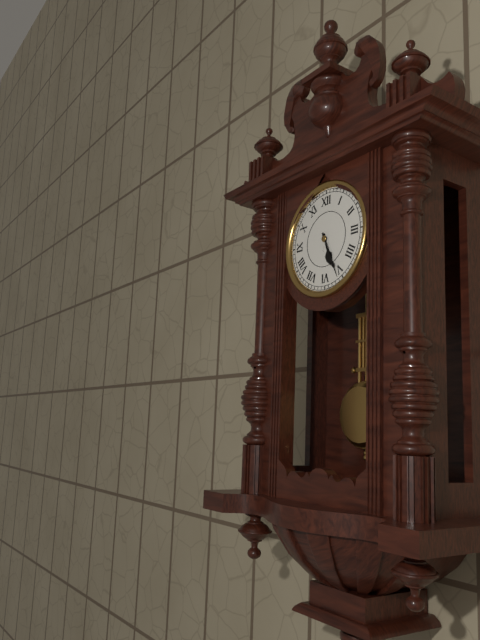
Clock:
5:26
